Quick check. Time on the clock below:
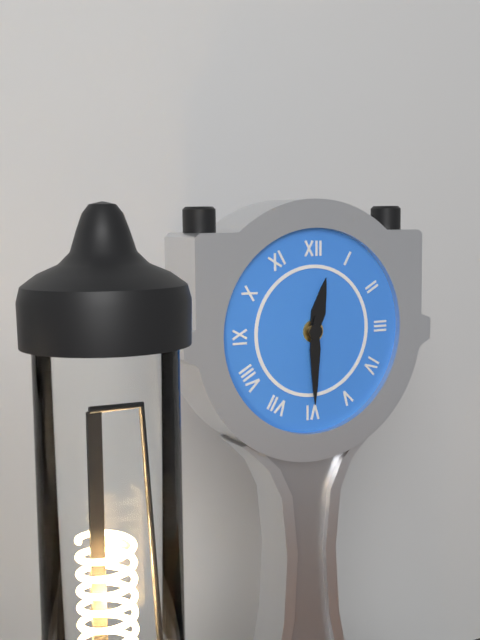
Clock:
12:30
